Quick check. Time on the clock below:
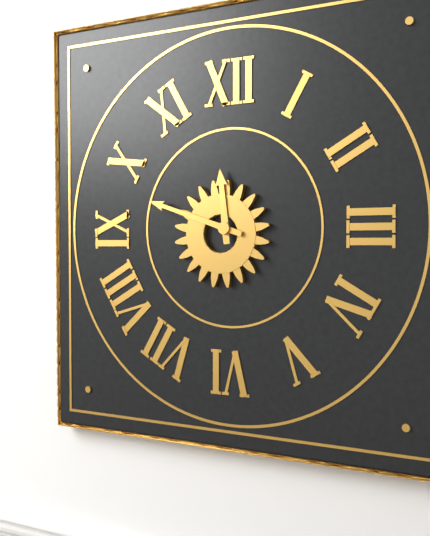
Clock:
11:48
